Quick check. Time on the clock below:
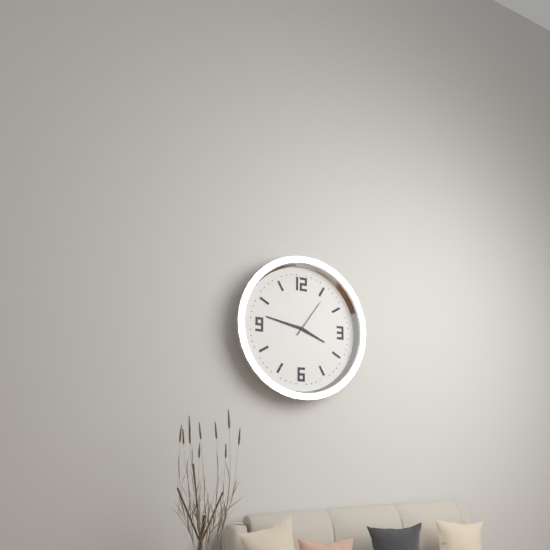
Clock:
3:47
